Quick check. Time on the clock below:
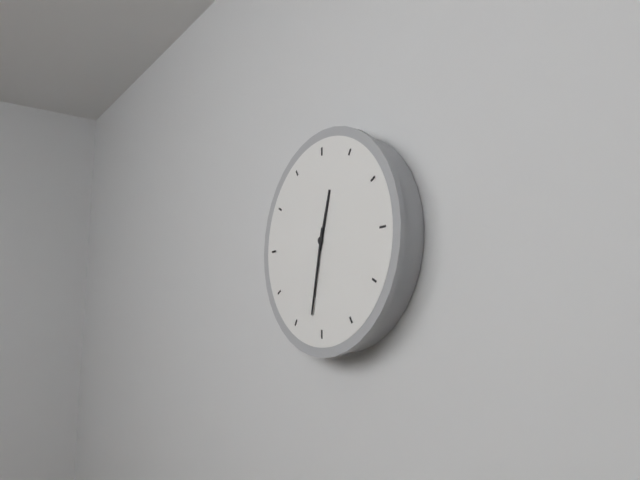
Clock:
12:32
